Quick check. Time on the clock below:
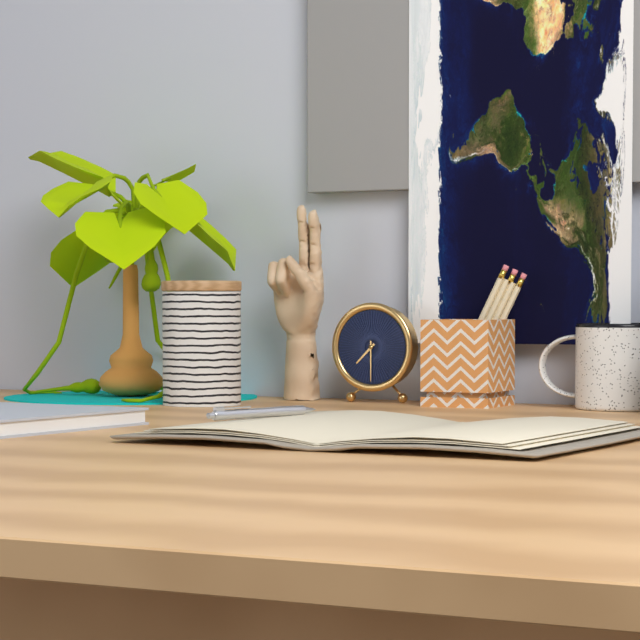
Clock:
7:30
